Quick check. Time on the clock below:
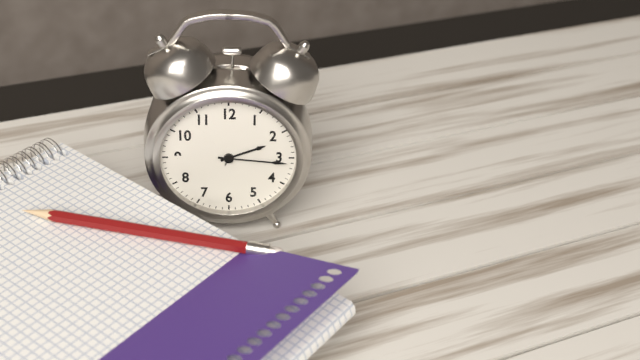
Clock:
2:16
